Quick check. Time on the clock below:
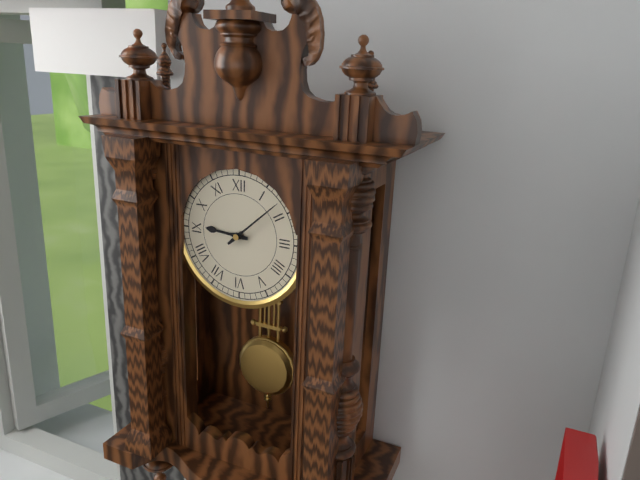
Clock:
9:08
